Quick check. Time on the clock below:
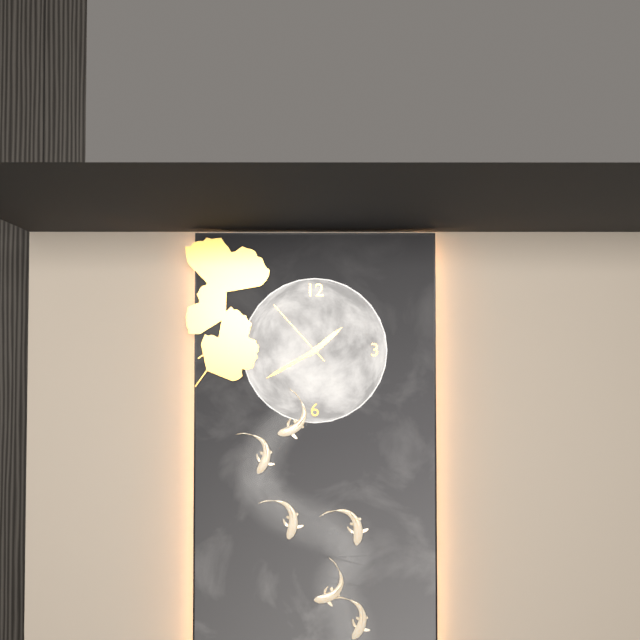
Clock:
1:40:53
